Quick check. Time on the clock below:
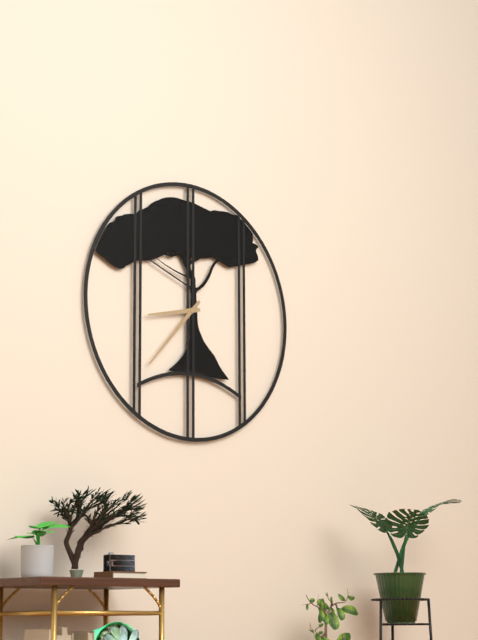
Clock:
8:37
